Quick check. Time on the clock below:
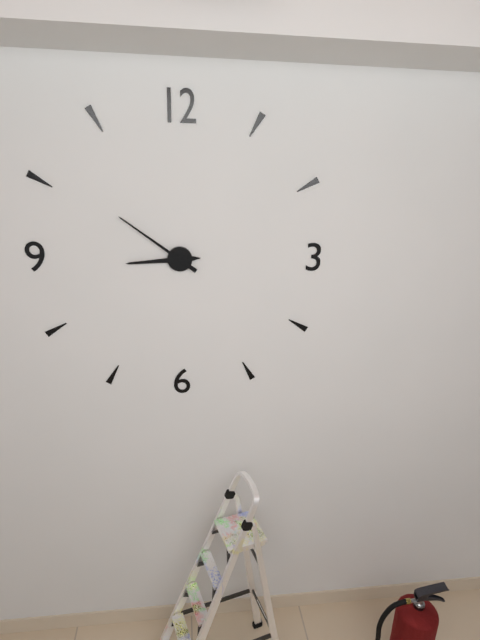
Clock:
8:51
